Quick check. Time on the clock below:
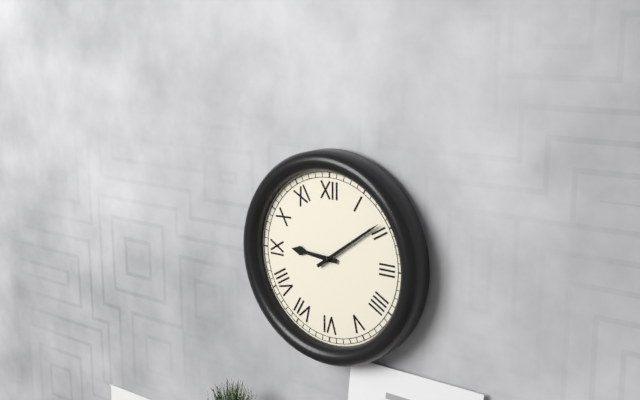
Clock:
9:09
